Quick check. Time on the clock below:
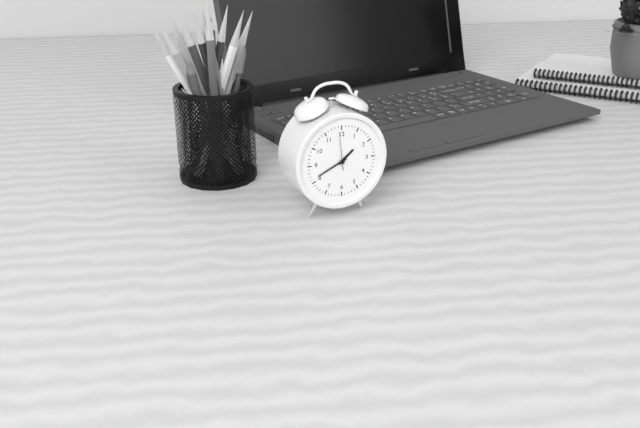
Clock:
1:41
